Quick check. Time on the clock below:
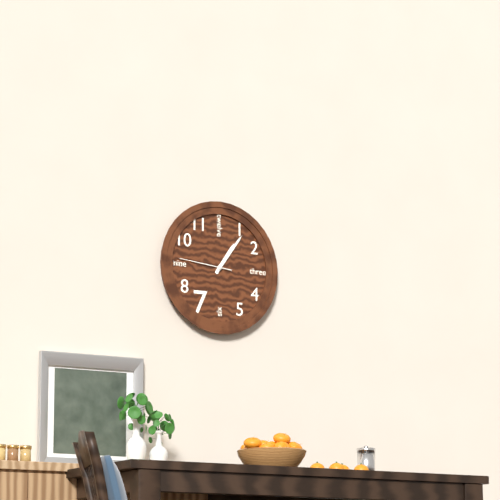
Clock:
1:06:46
